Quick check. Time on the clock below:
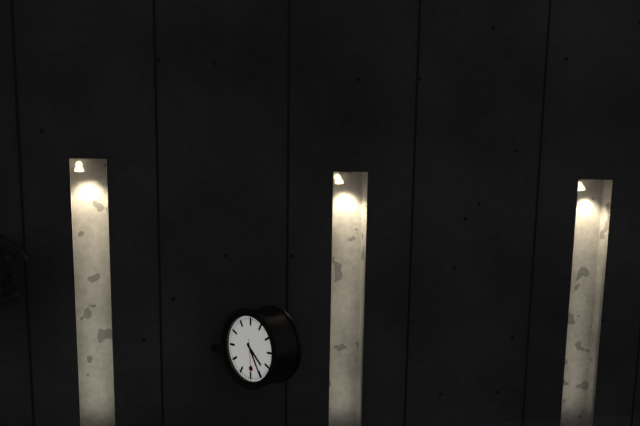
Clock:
4:25
